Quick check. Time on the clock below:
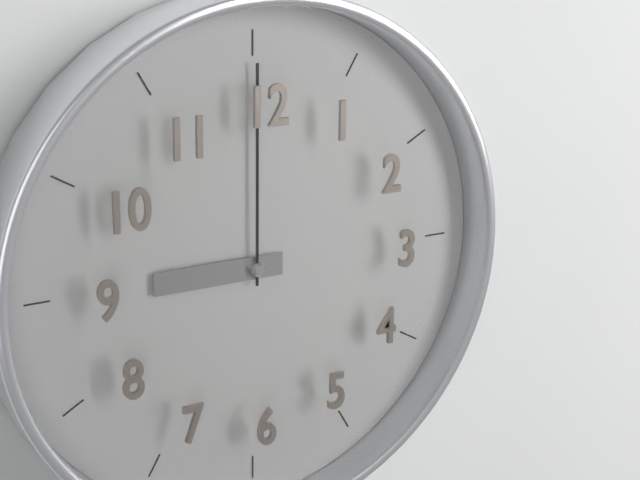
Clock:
9:00
